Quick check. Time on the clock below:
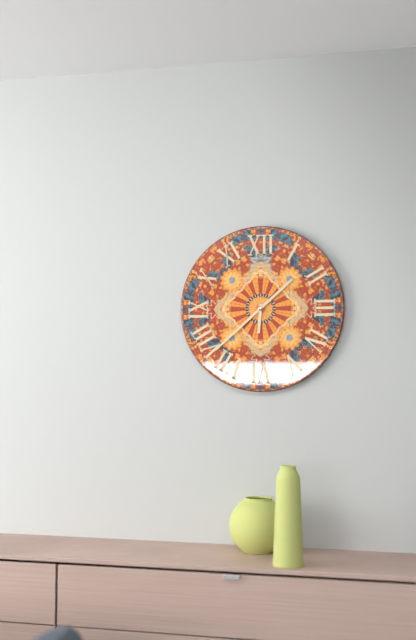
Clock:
6:08:38
